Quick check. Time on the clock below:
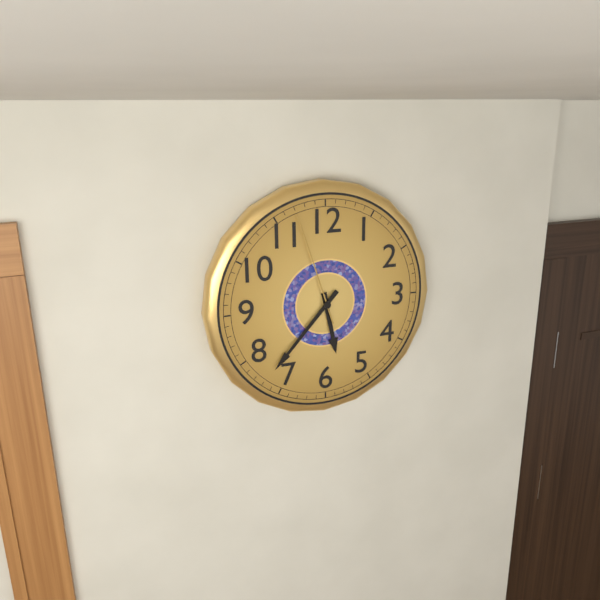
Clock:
5:37:57
